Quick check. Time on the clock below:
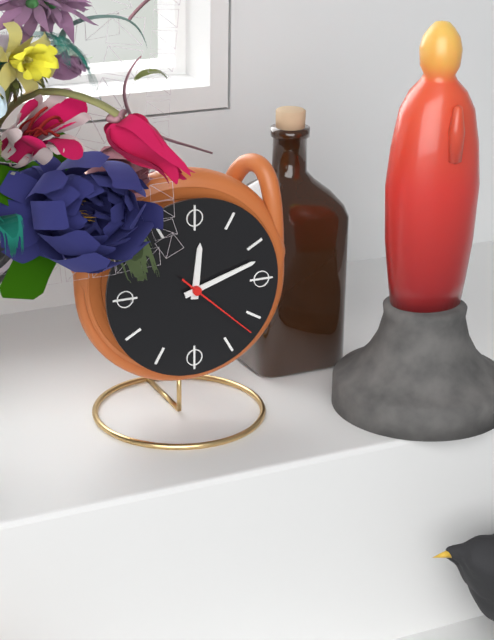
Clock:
12:12:22
